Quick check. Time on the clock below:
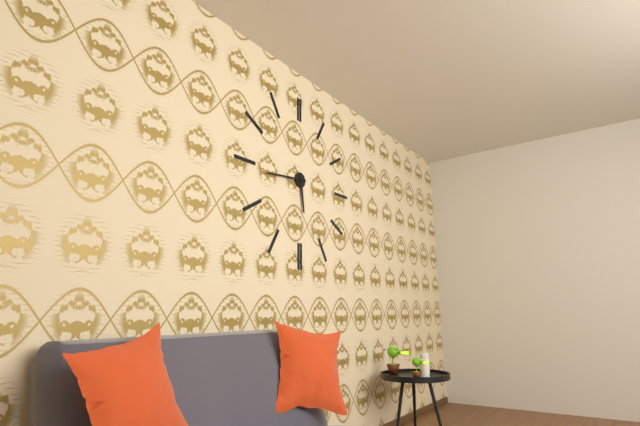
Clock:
5:44
